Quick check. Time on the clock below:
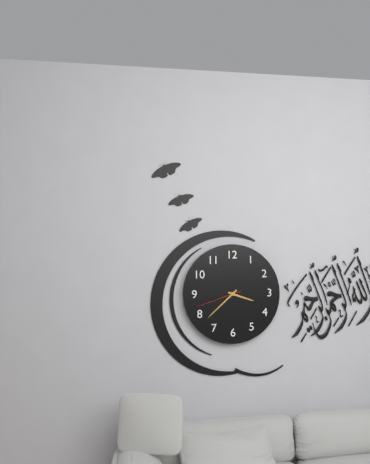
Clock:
3:38
